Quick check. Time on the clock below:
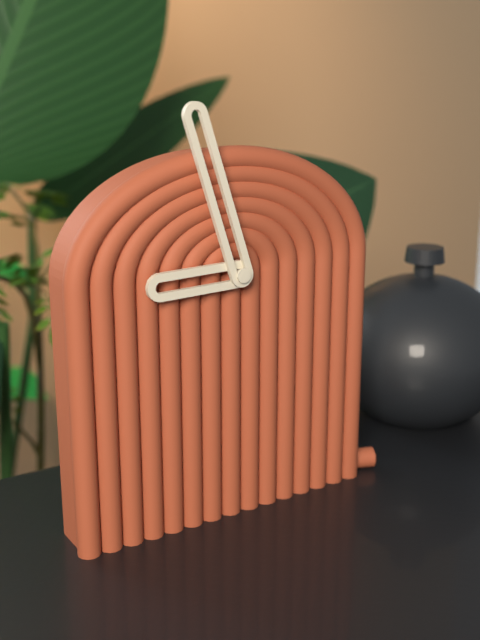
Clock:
8:57
